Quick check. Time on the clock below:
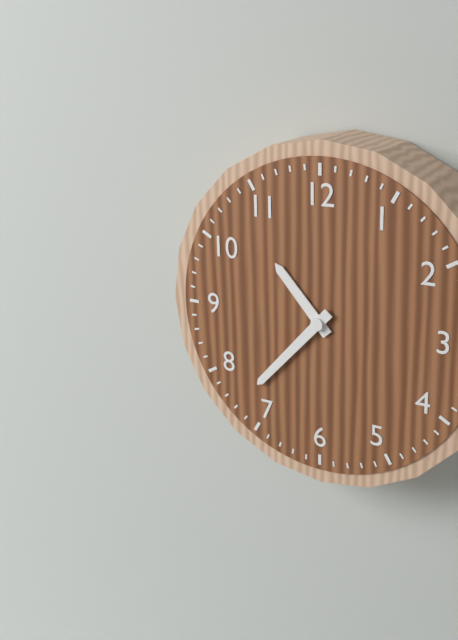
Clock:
10:37
